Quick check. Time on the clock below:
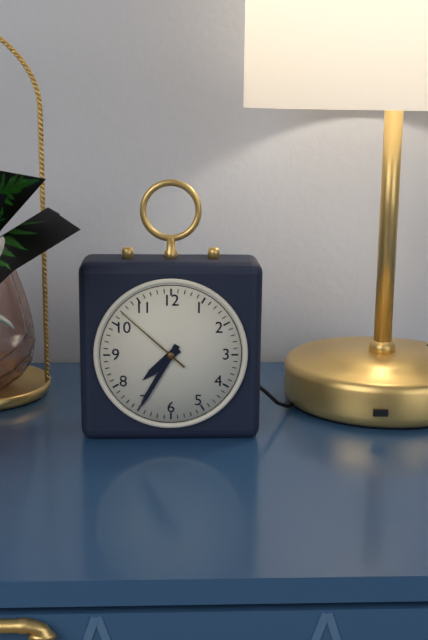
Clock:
7:35:52
